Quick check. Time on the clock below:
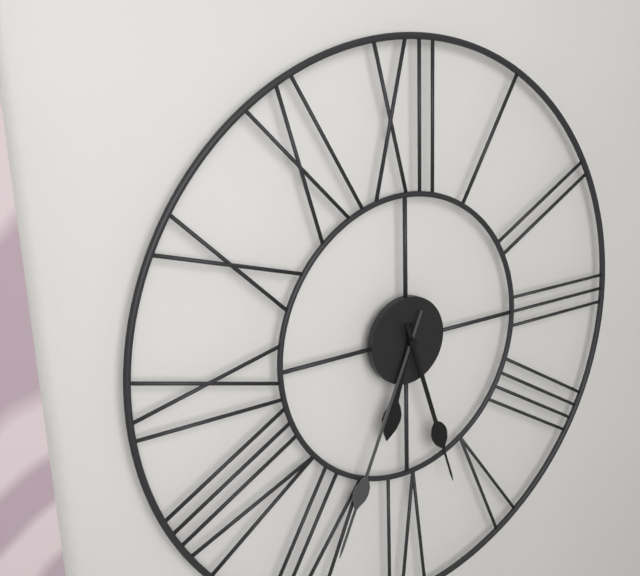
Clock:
6:34:27
